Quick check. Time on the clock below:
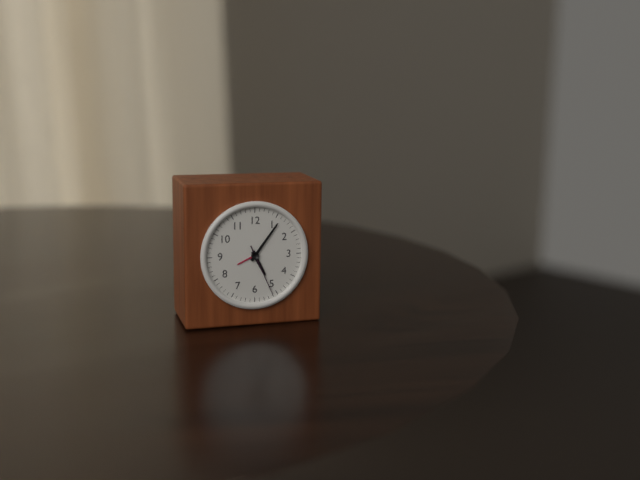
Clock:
5:06:26
